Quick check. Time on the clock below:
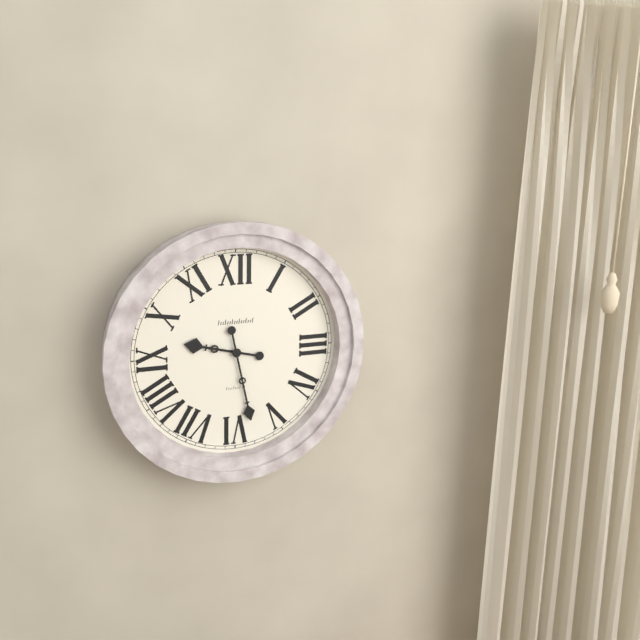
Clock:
9:28
